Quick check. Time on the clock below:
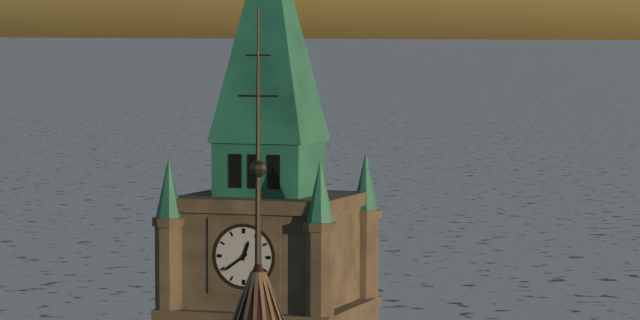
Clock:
12:39
